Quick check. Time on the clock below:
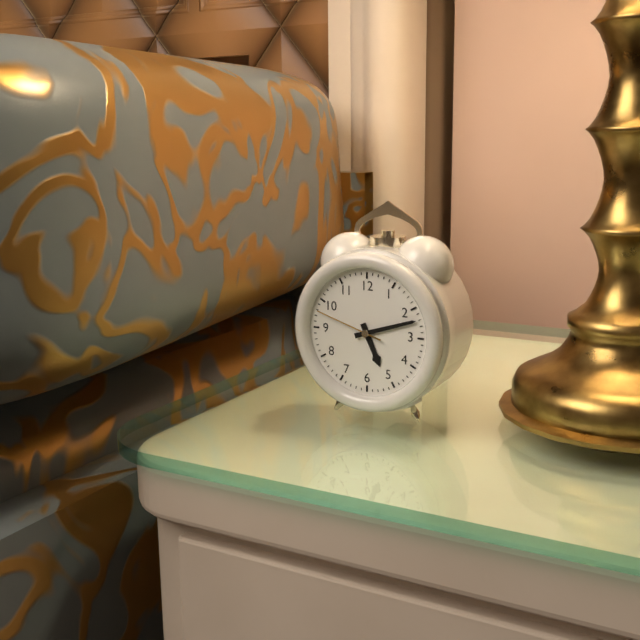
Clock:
5:12:48
